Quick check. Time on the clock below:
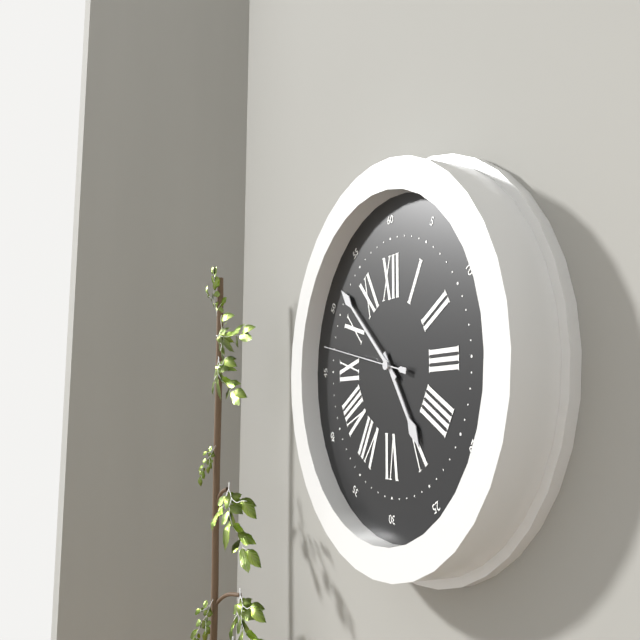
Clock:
4:52:47
